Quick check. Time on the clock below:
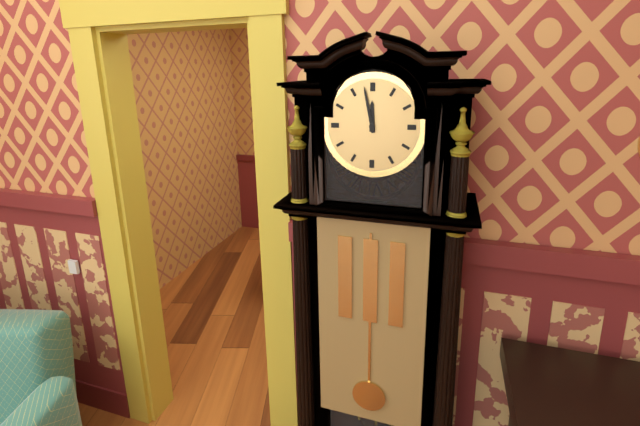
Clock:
11:58
